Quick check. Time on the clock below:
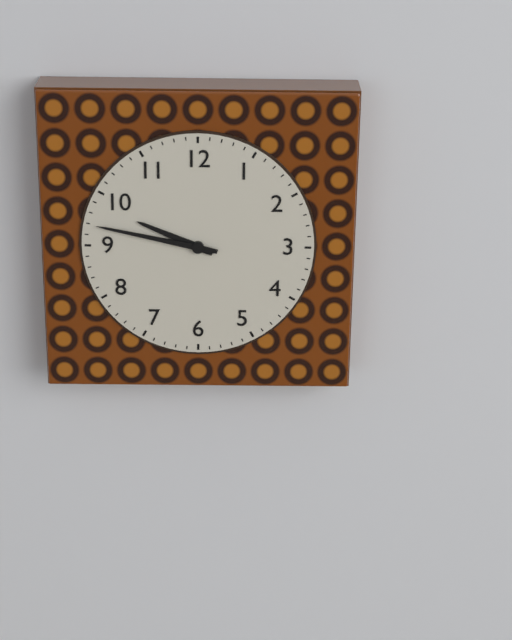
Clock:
9:47
